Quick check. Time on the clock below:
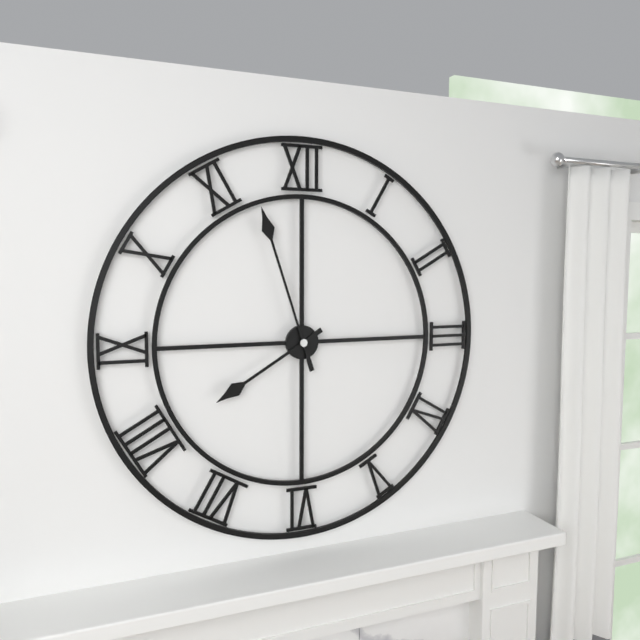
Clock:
7:57
